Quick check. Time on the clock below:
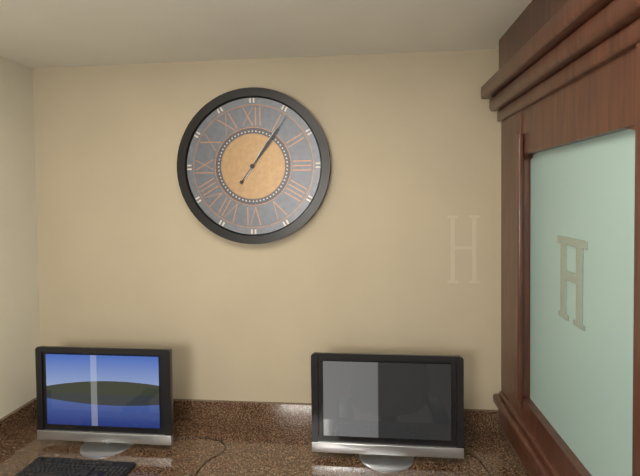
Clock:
1:06
